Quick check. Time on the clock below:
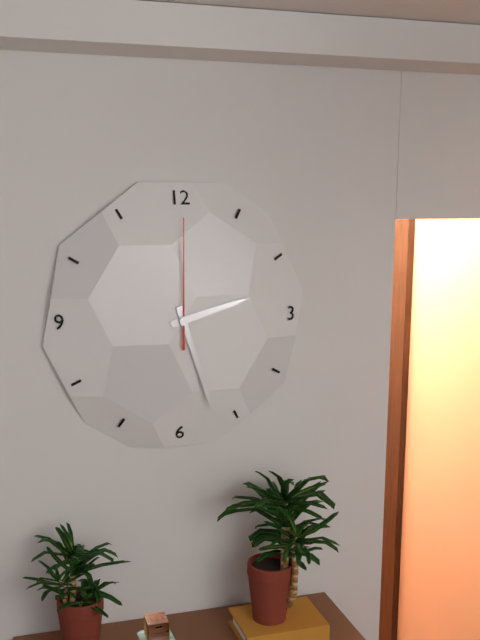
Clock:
2:27:00
